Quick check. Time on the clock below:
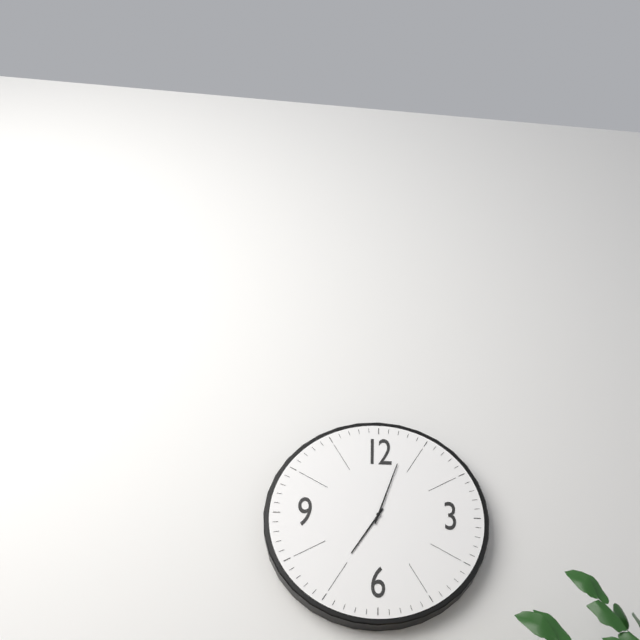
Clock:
7:03
